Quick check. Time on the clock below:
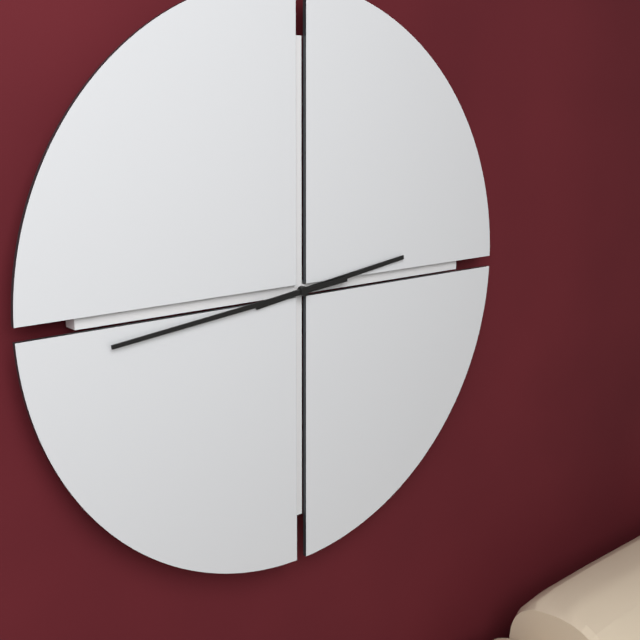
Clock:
2:44
